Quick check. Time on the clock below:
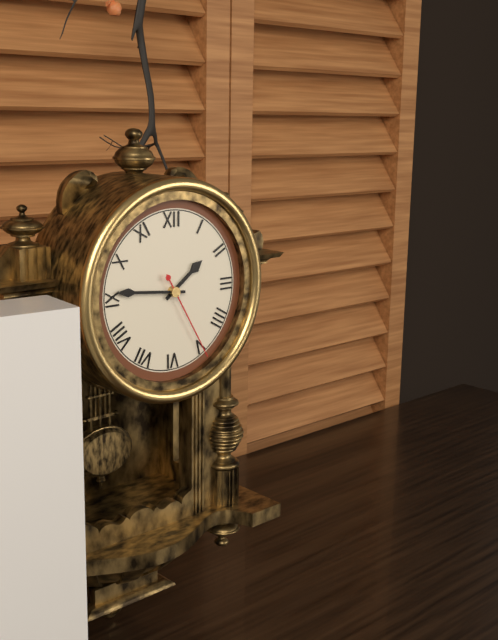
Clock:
1:46:25
